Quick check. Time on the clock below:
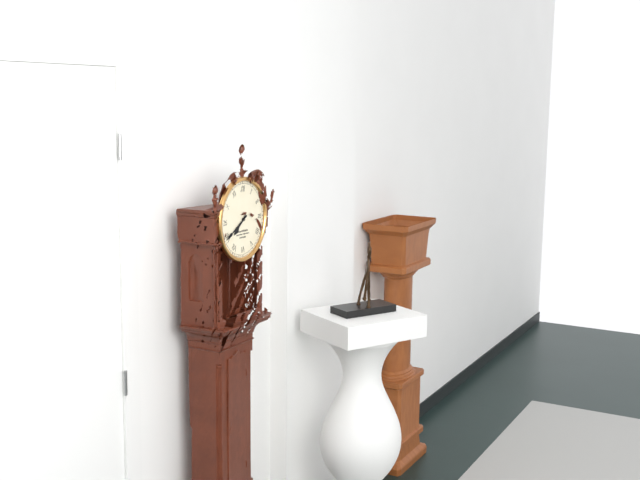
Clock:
7:40
